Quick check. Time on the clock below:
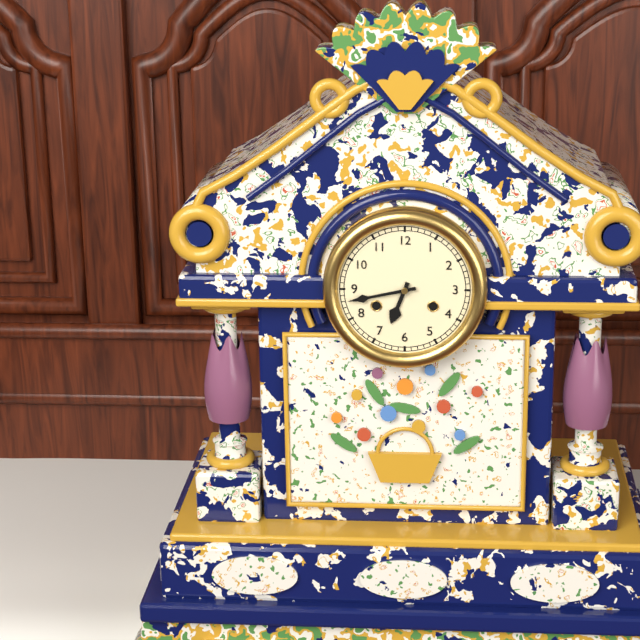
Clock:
6:43
